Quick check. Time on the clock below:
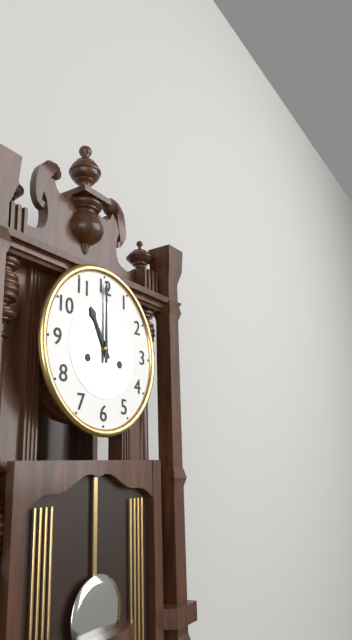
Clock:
11:00
